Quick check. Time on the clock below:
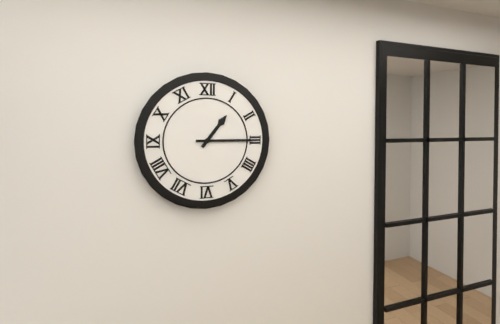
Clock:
1:15
